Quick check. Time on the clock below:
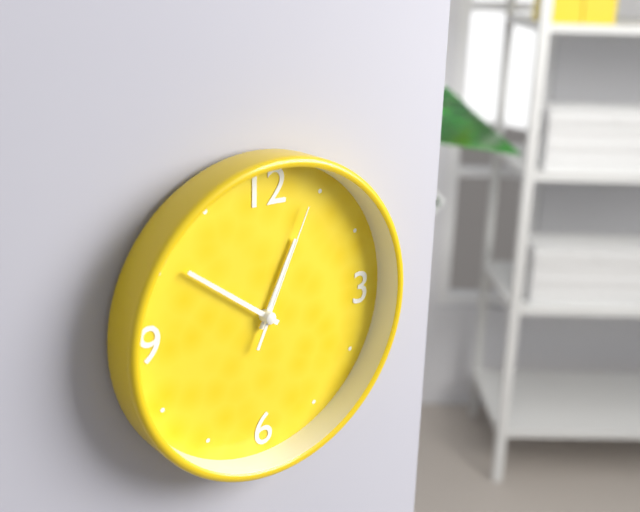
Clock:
12:51:04
